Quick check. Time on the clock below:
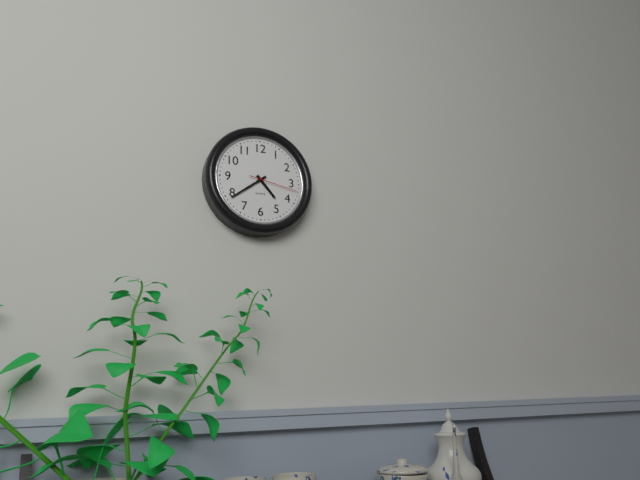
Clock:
4:39
